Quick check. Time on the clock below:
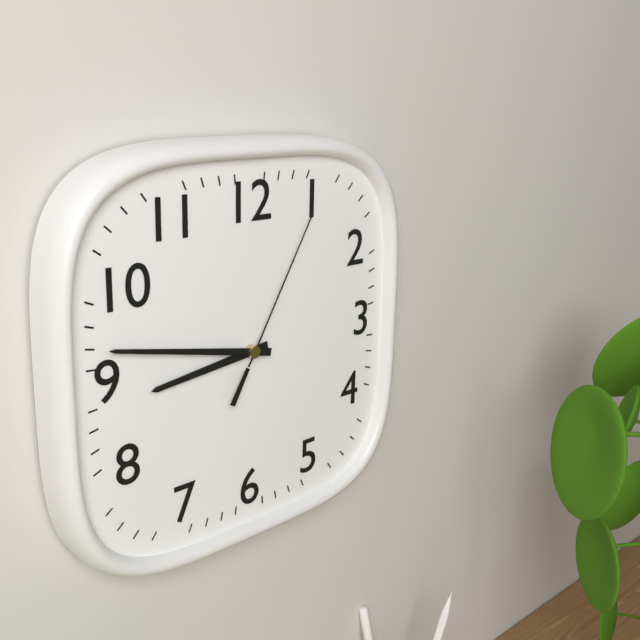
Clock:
8:47:05
